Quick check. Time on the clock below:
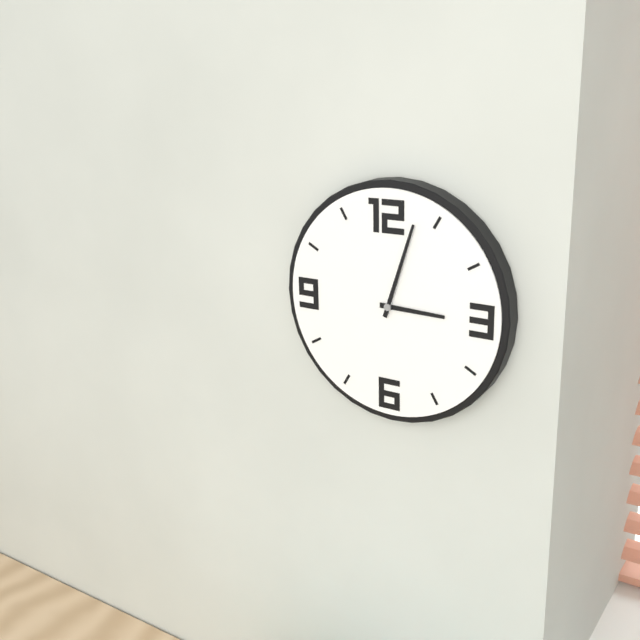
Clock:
3:03
